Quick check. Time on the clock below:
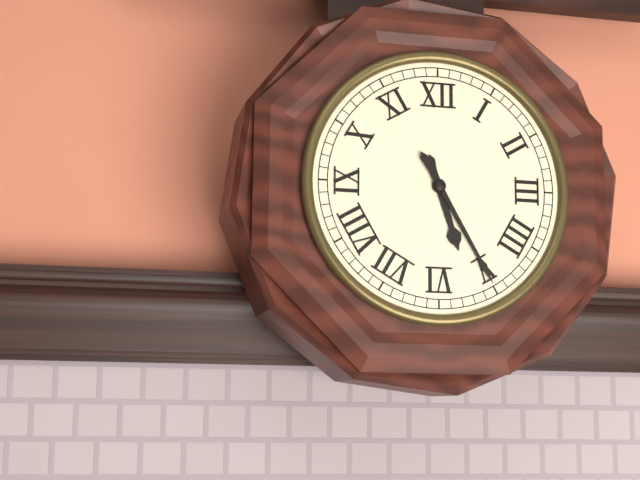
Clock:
5:25
